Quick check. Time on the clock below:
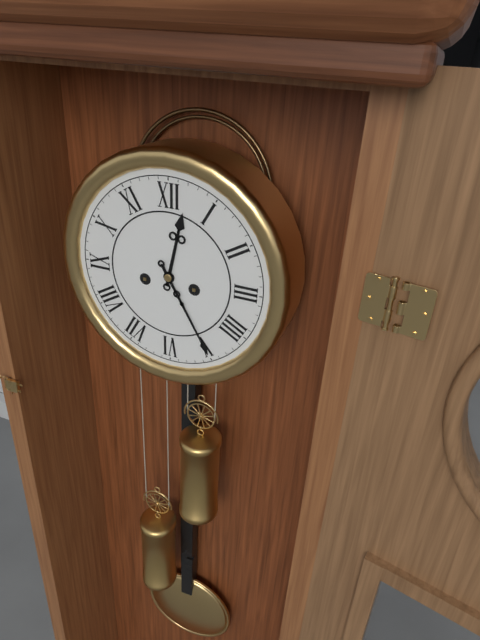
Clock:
12:25
